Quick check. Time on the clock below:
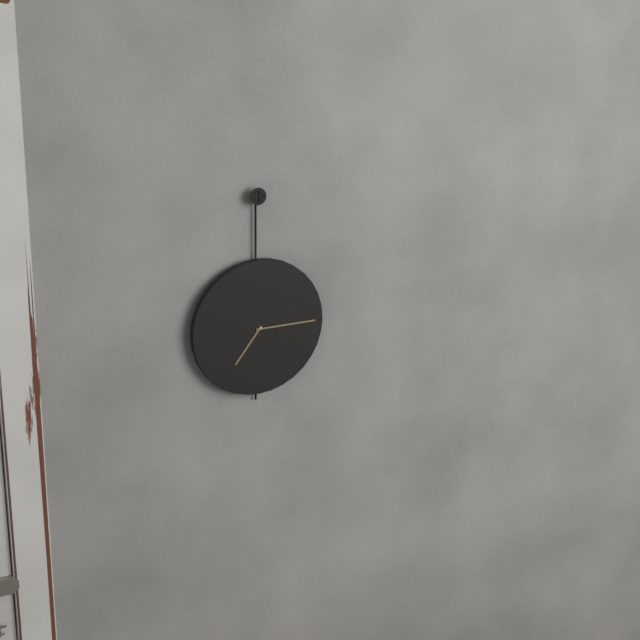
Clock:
7:15
